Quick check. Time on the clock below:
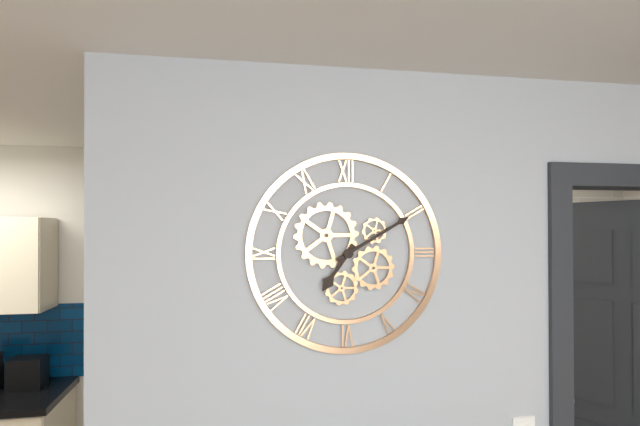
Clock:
7:10
